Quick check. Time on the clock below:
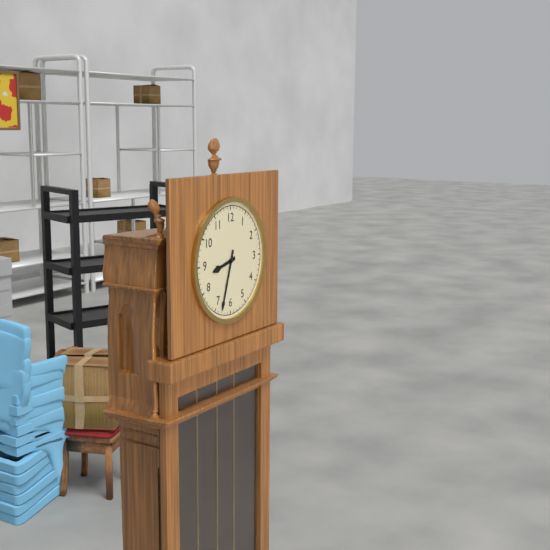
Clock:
8:33
